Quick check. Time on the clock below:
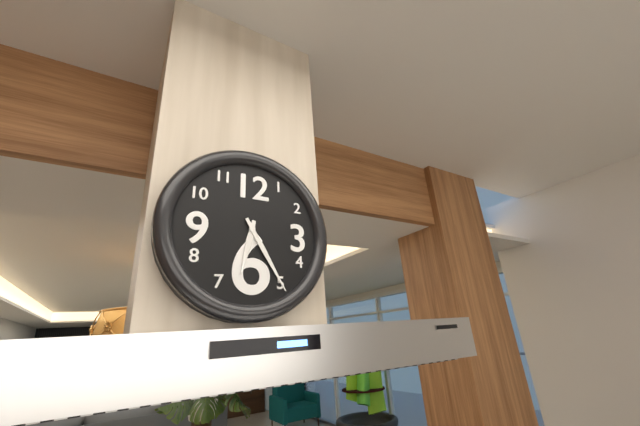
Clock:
6:25
